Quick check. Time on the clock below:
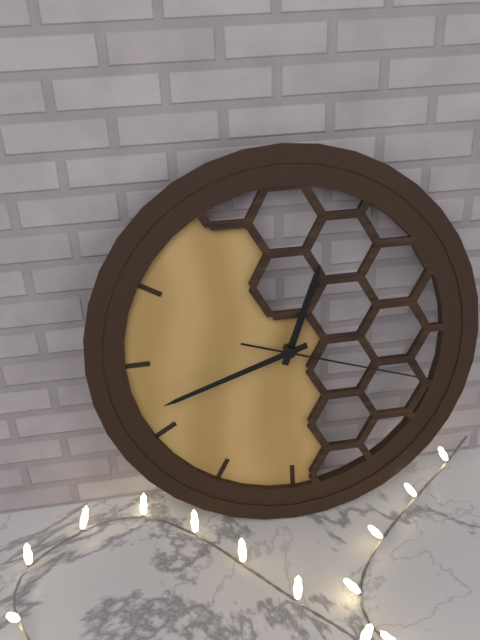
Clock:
12:42:18
